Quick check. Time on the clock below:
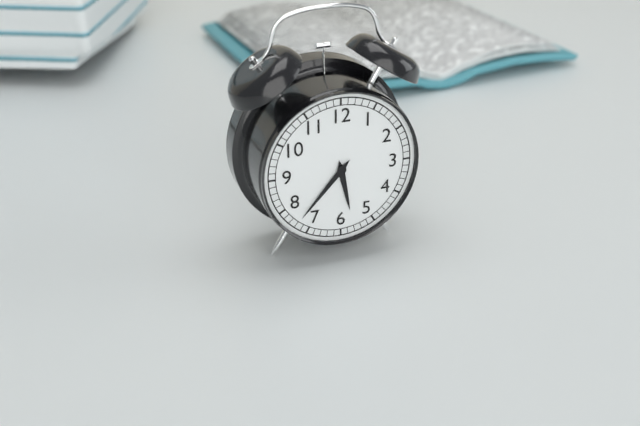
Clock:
5:37
